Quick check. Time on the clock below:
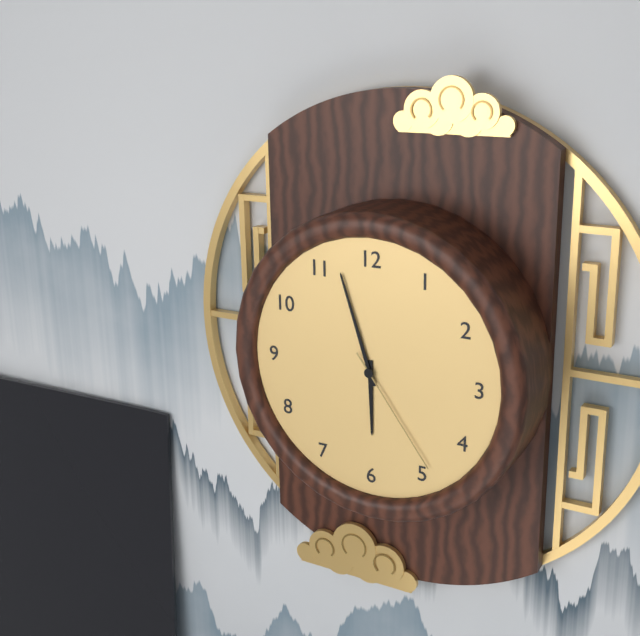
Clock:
5:57:24
